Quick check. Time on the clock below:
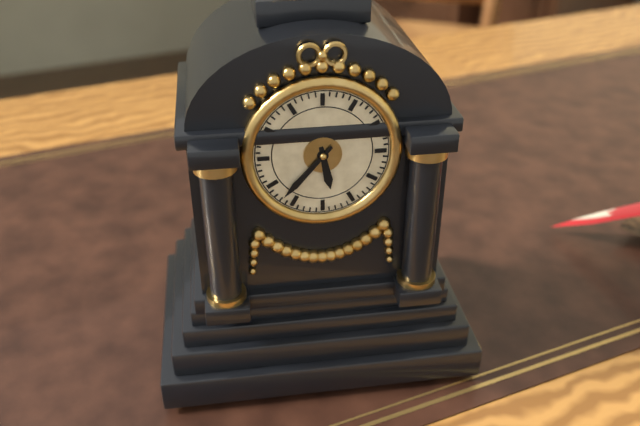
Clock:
5:37
